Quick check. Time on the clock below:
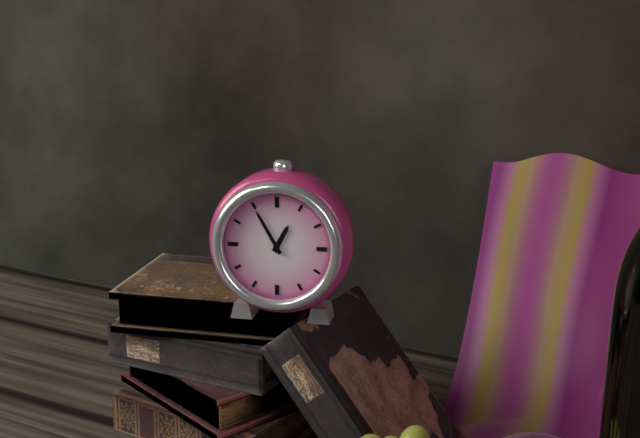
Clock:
12:55
